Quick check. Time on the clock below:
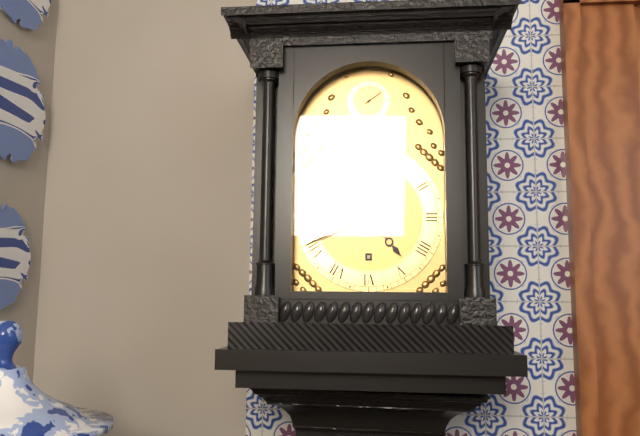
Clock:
4:41
